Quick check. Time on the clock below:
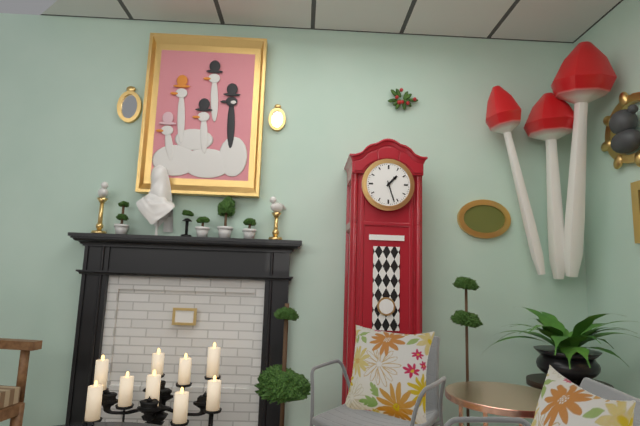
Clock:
1:27
